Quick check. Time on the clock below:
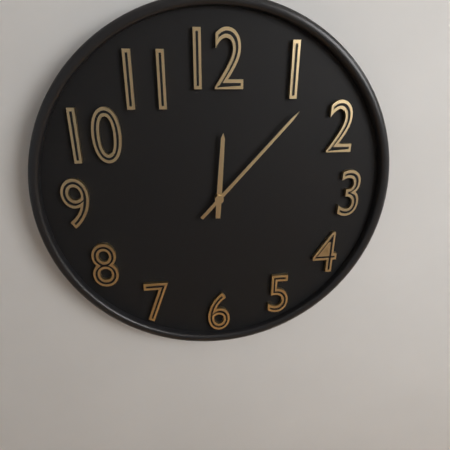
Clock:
12:07
